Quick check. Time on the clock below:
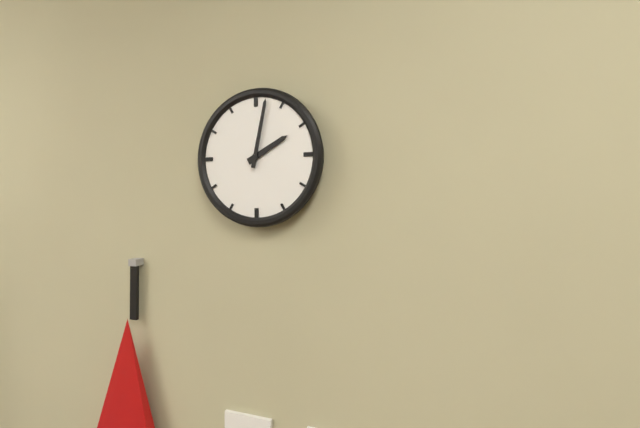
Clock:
2:02
